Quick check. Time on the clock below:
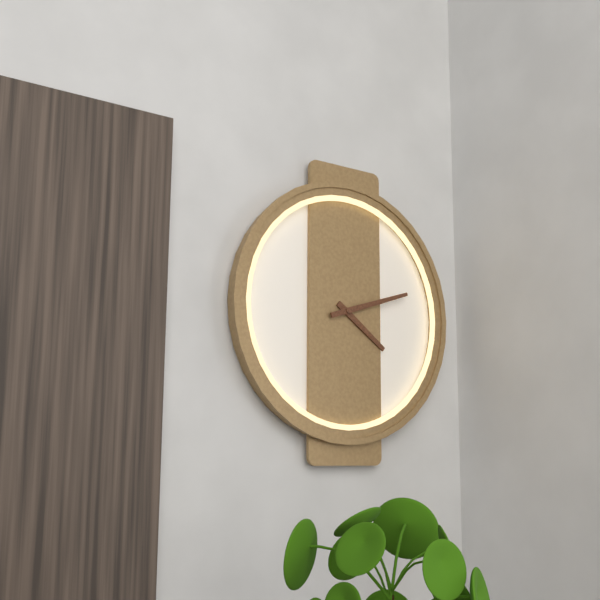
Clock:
4:12
